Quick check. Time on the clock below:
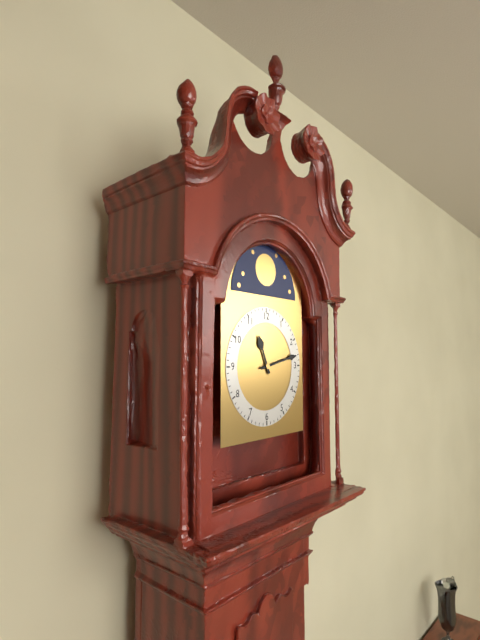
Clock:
11:13
